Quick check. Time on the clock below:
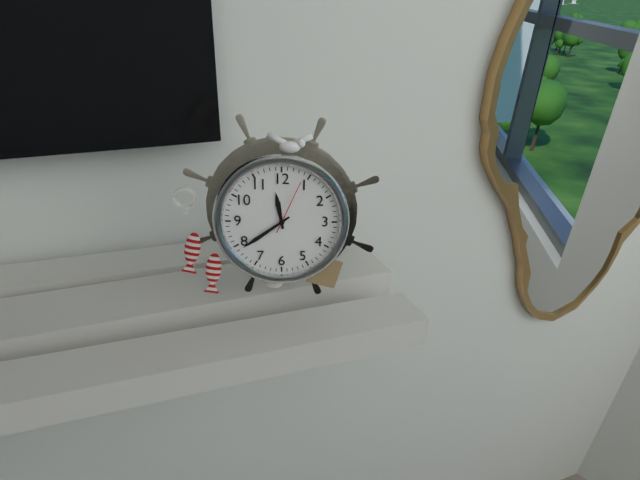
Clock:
11:39:04
